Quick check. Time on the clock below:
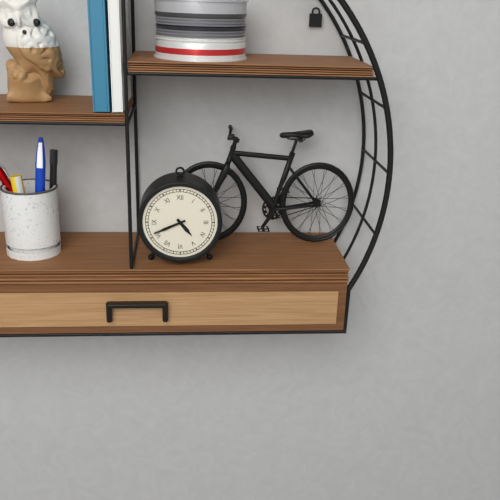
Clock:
4:41
